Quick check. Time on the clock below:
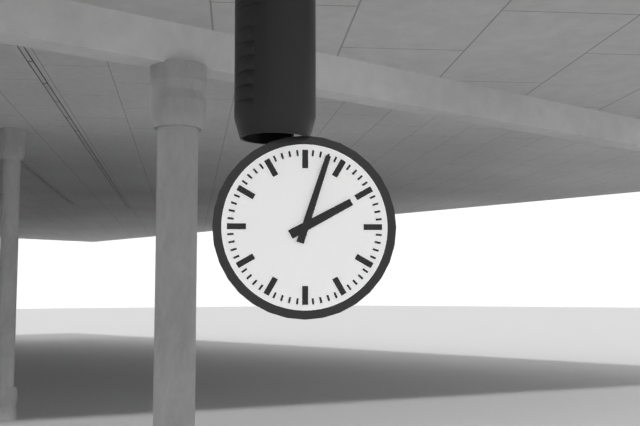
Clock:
2:03
